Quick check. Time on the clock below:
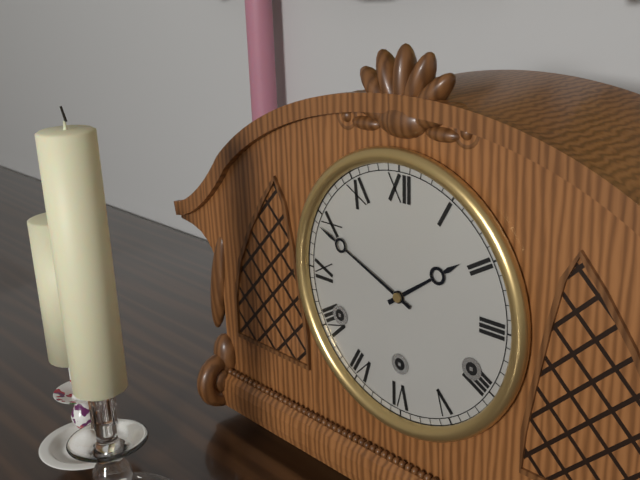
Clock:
1:49
